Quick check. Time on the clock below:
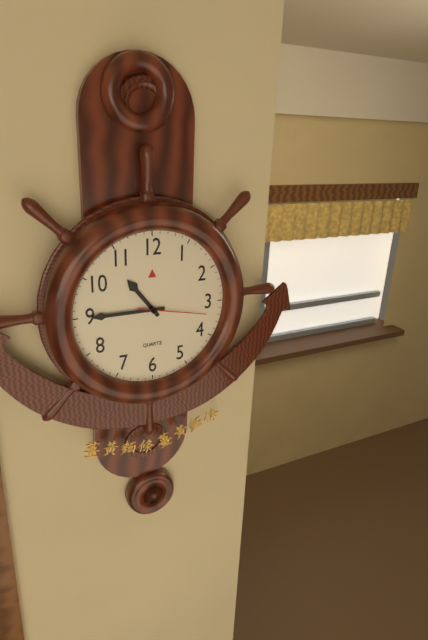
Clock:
10:45:17
